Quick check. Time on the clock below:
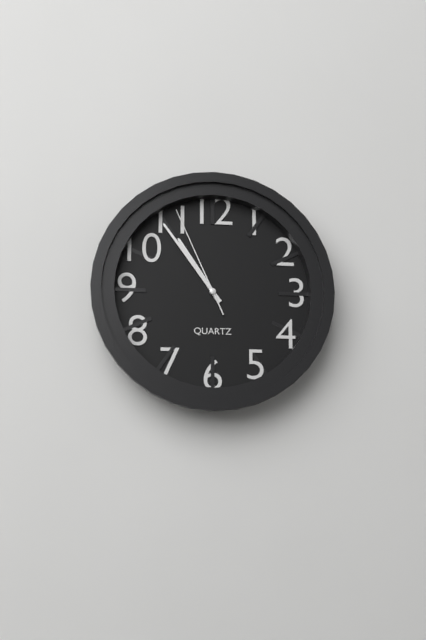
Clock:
10:54:56
